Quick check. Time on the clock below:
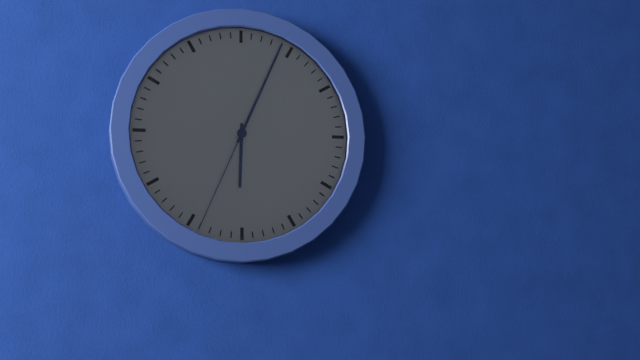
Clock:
6:04:34
